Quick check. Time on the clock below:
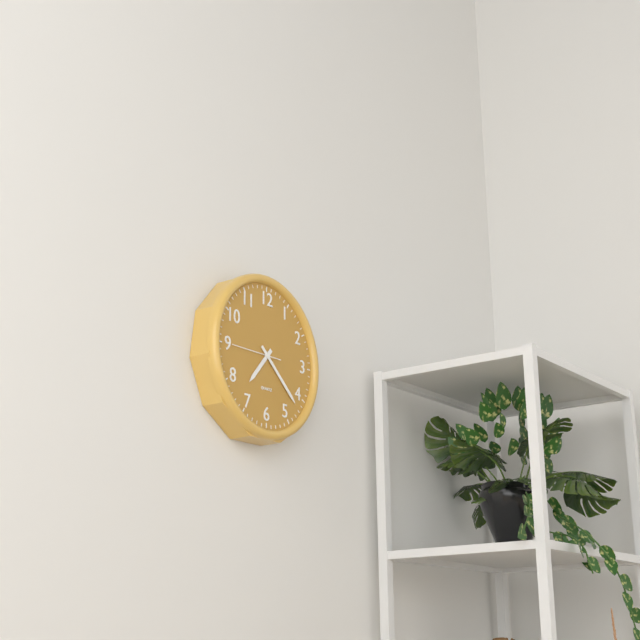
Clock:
7:22
